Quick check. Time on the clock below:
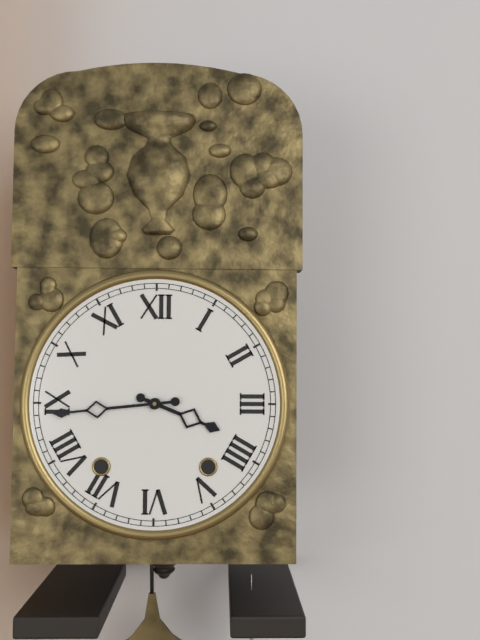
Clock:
3:44
